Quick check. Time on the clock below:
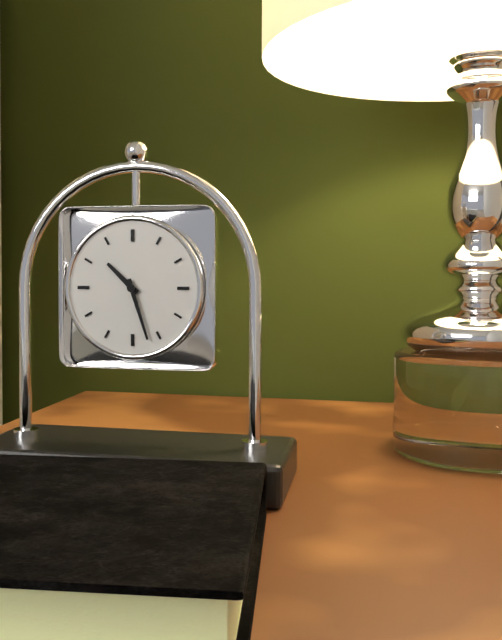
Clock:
10:27
